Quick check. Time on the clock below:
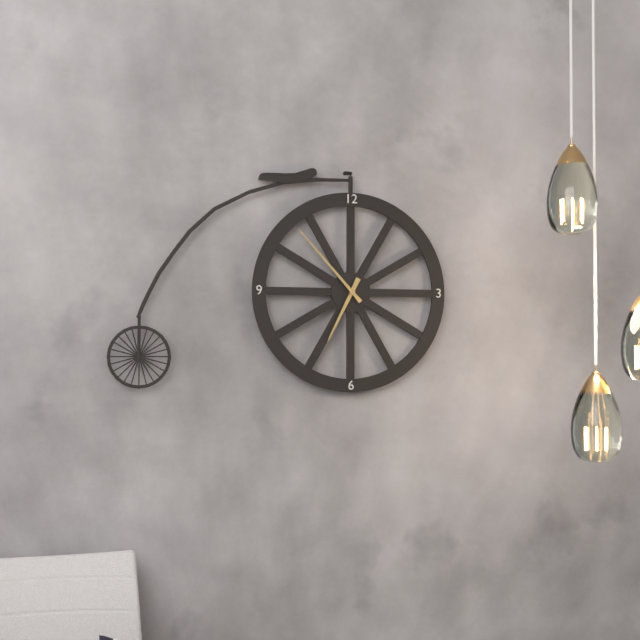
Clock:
6:53
